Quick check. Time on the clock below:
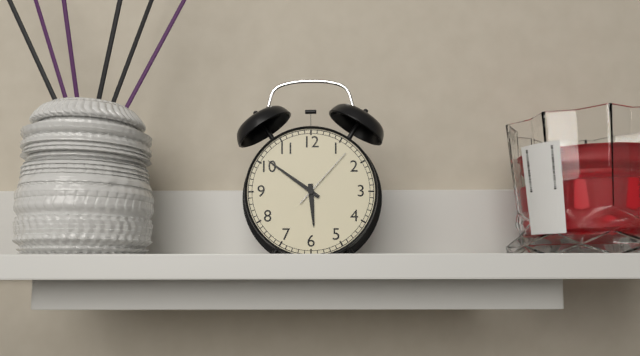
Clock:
5:51:07
